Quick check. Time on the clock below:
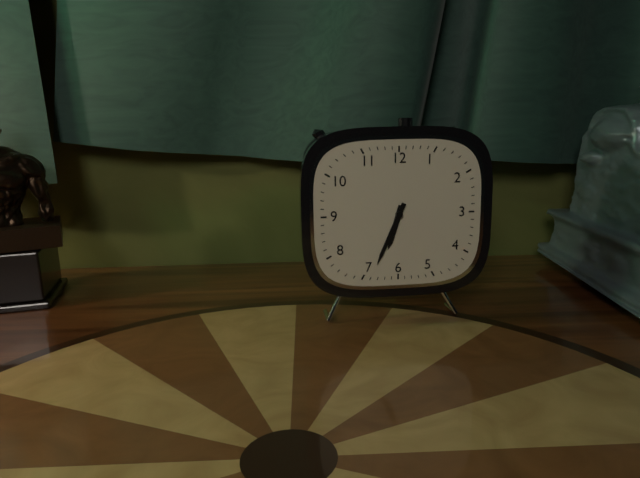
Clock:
6:34
